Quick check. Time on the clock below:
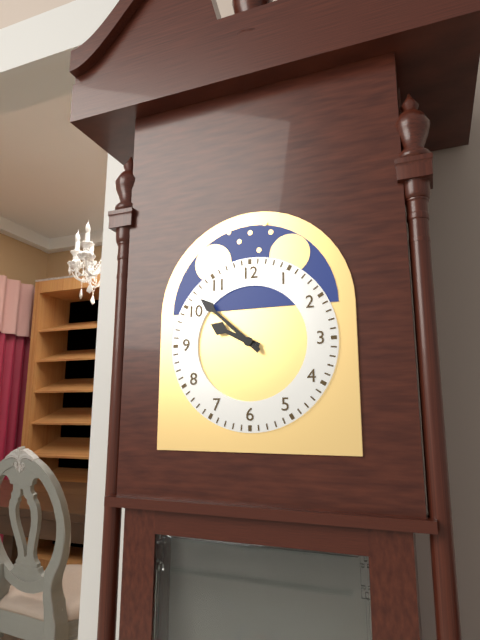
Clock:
9:52
